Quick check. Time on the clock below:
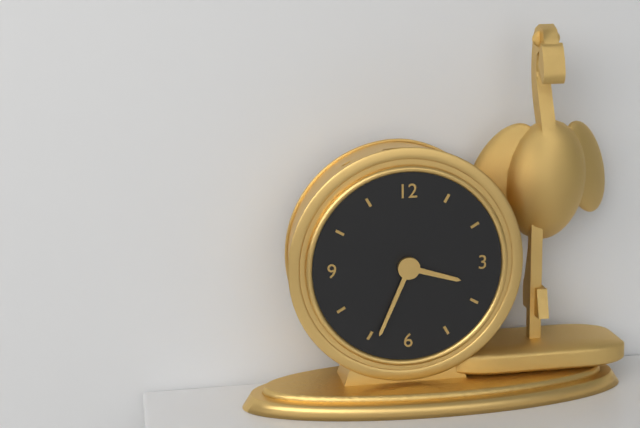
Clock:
3:34
